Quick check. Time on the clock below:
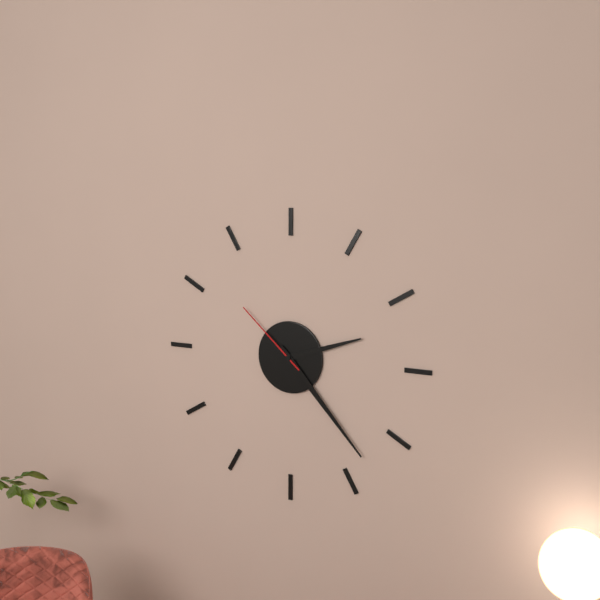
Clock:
2:23:52
